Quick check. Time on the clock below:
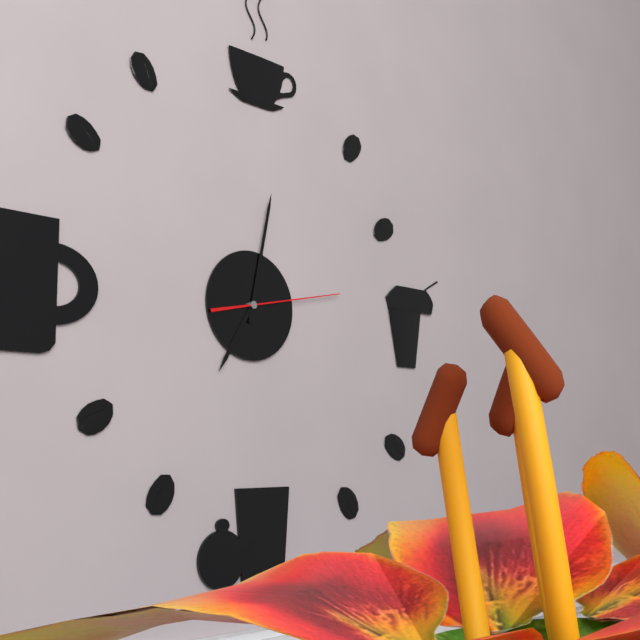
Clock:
7:02:13
